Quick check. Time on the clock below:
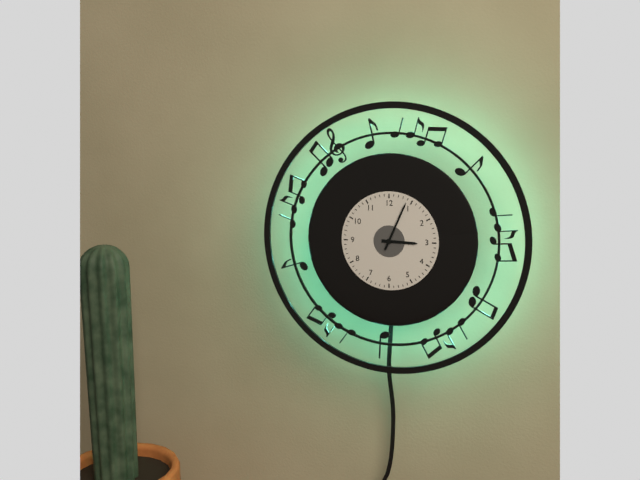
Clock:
3:04
